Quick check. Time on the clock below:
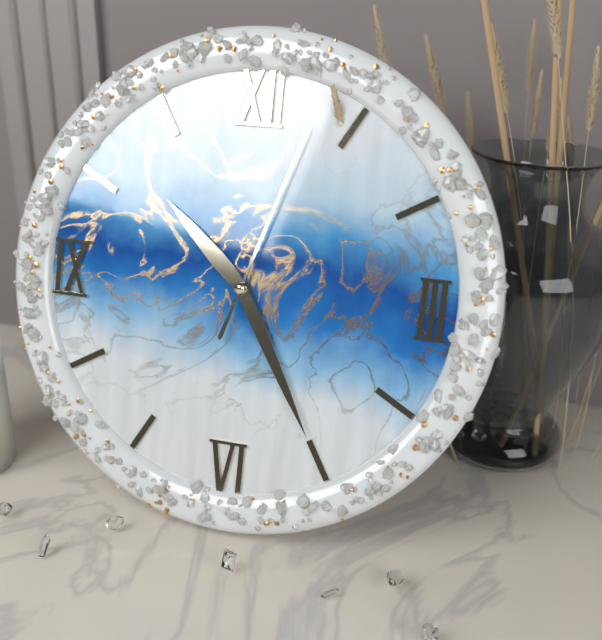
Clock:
10:25:03
